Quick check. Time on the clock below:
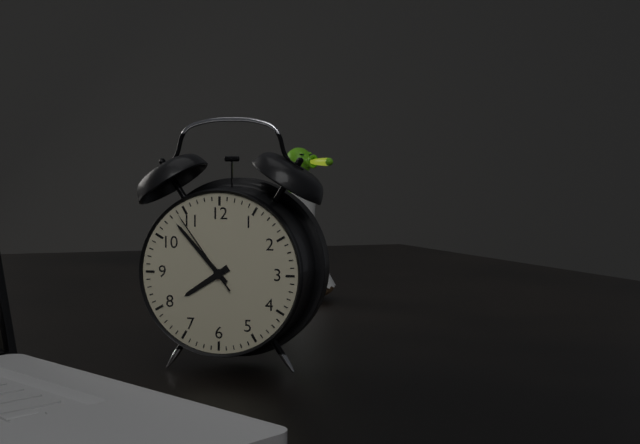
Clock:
7:53:54
